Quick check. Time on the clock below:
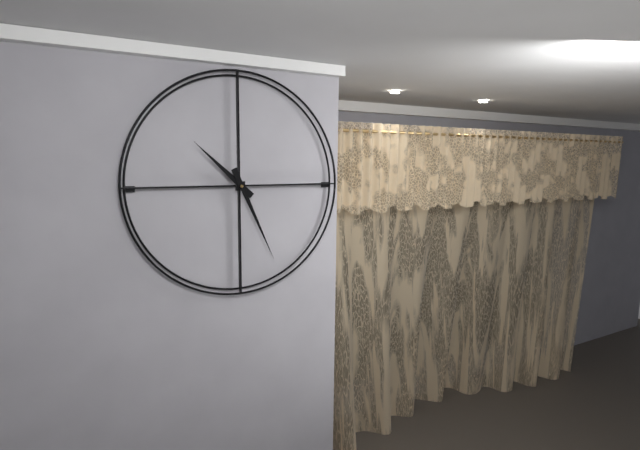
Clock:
10:26
